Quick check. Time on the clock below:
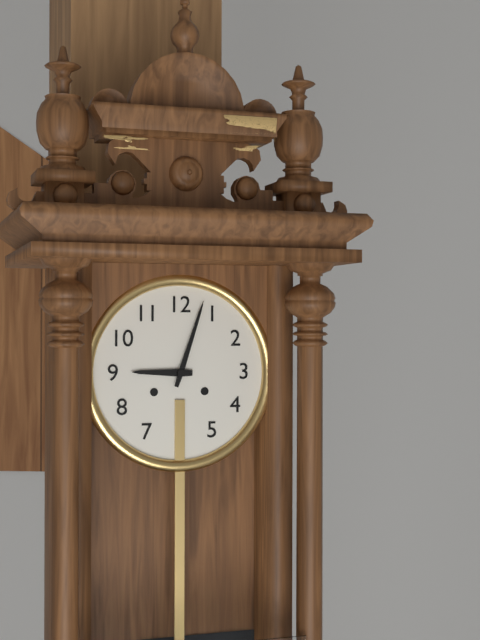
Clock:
9:03
